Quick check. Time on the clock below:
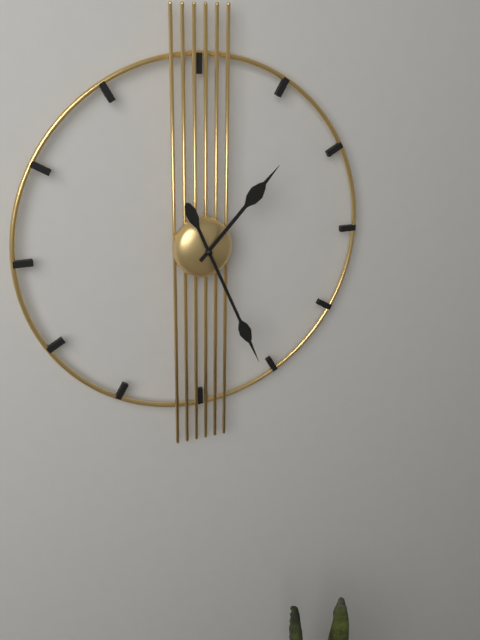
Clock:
1:26
